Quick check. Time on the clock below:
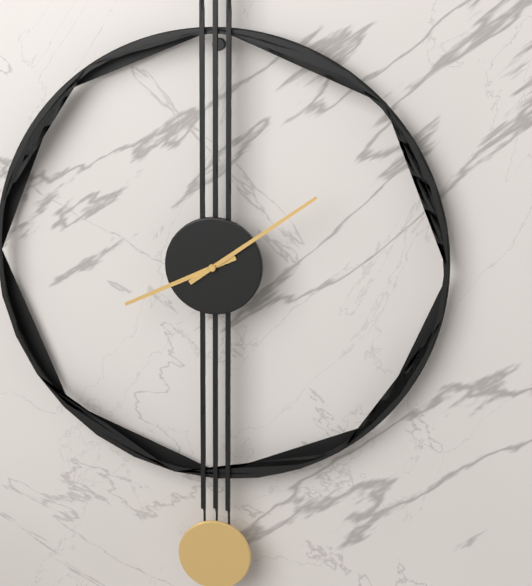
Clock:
8:09
